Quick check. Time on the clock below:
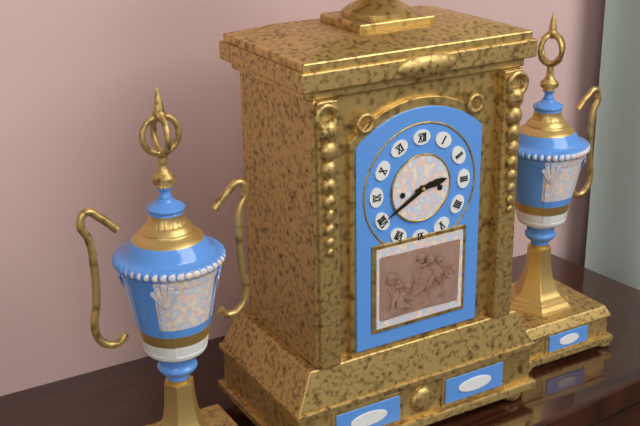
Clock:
2:40
